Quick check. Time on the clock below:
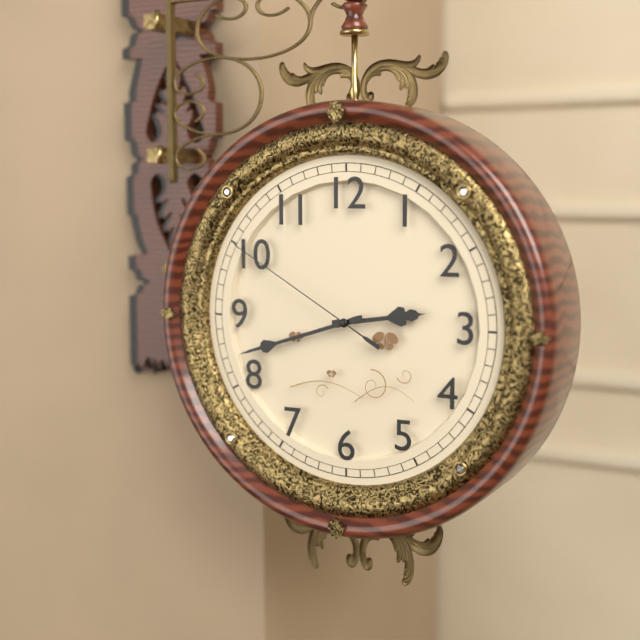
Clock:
2:42:50
